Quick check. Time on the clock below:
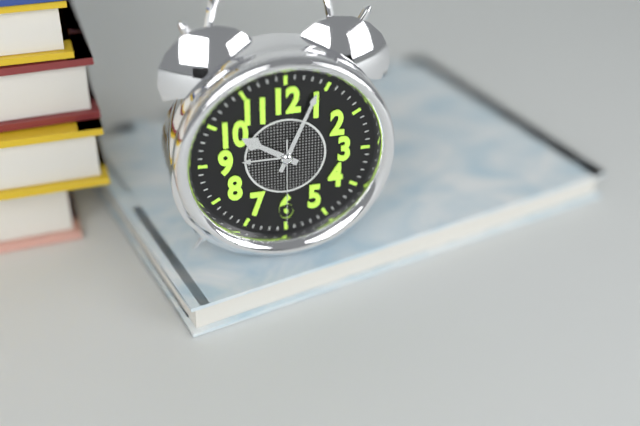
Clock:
10:04:30
